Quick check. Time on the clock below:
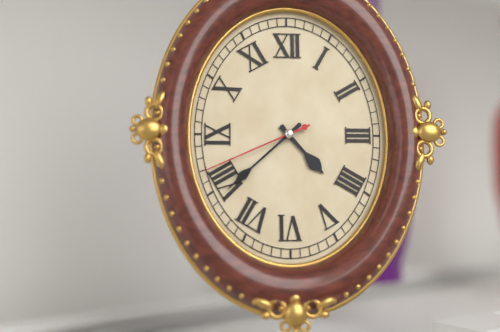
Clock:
4:38:41
